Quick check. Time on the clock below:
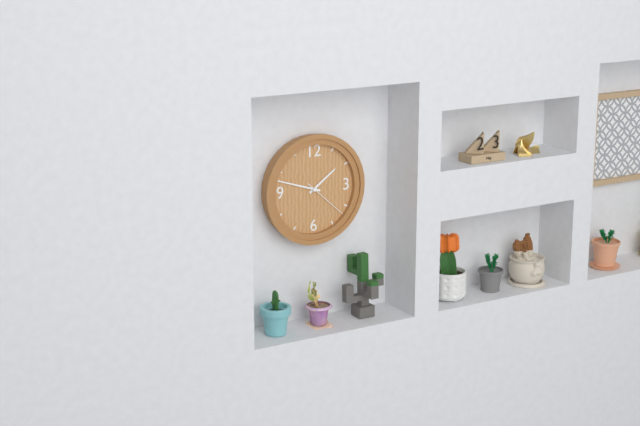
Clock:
1:48
